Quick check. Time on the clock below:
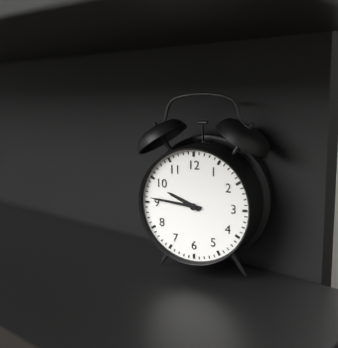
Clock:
9:46
